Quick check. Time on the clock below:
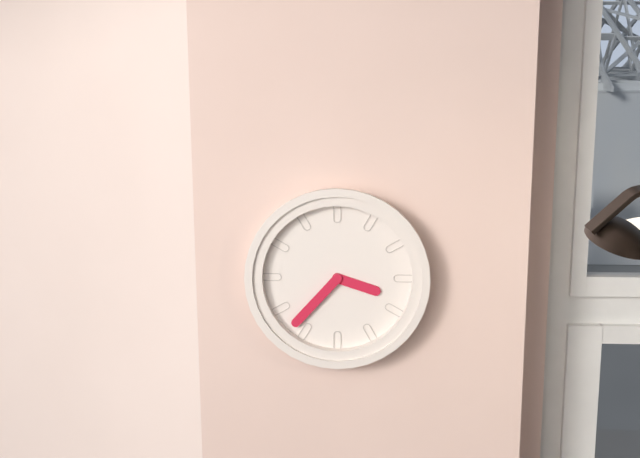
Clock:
3:37
